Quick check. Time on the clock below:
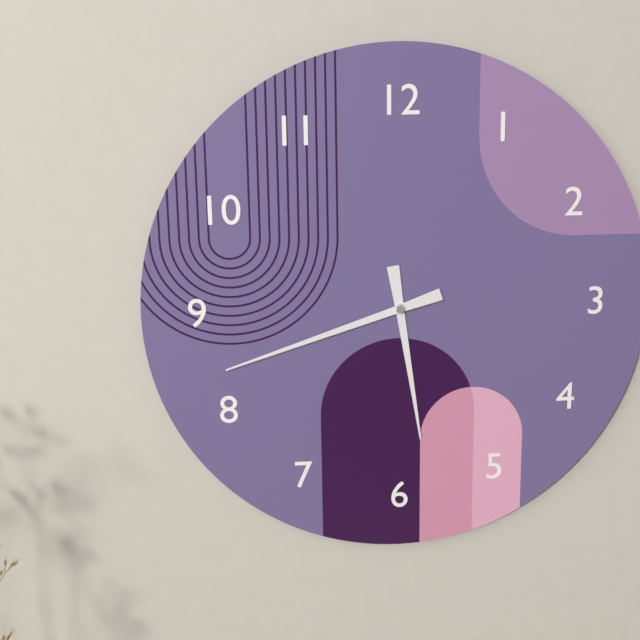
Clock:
5:42
